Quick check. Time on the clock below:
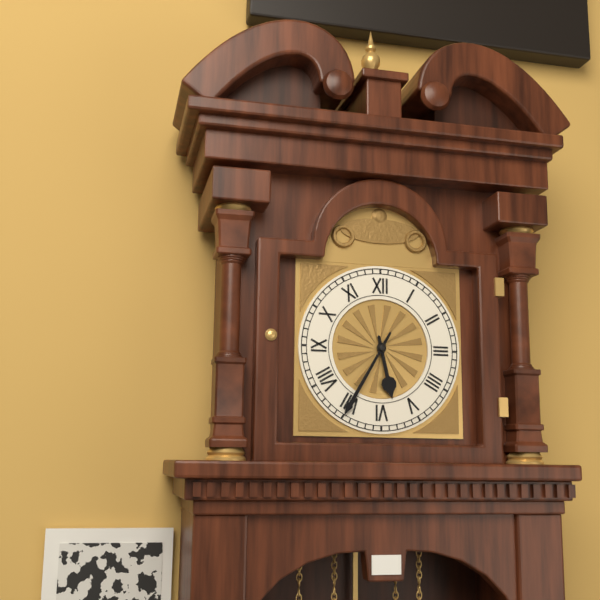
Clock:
5:35
